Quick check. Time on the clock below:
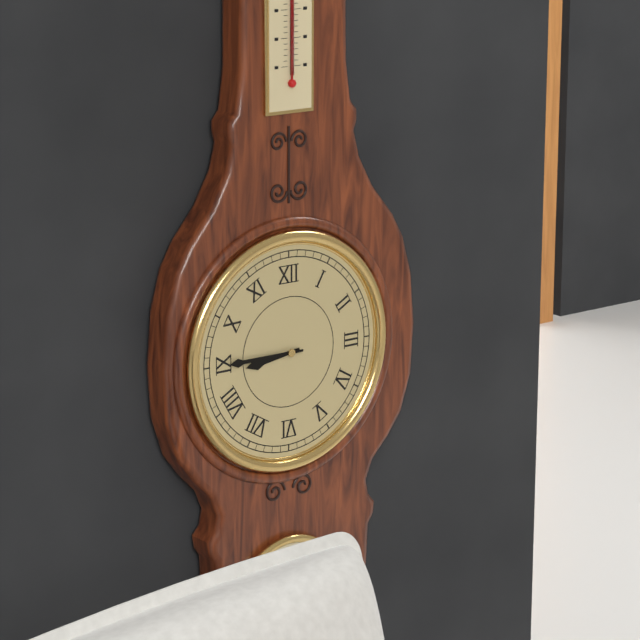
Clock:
8:45
